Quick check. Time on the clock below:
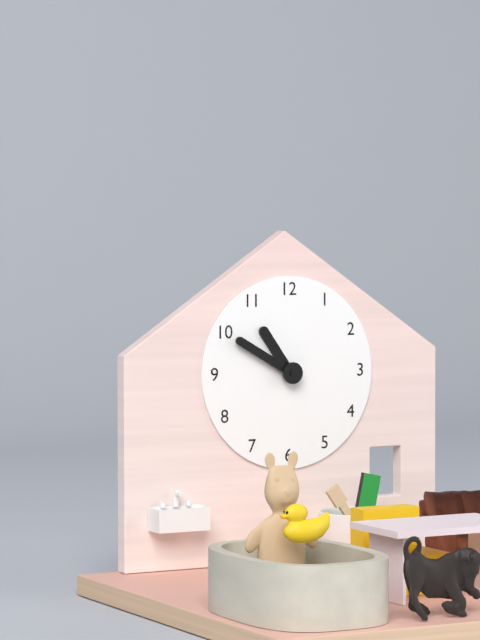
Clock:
10:50
